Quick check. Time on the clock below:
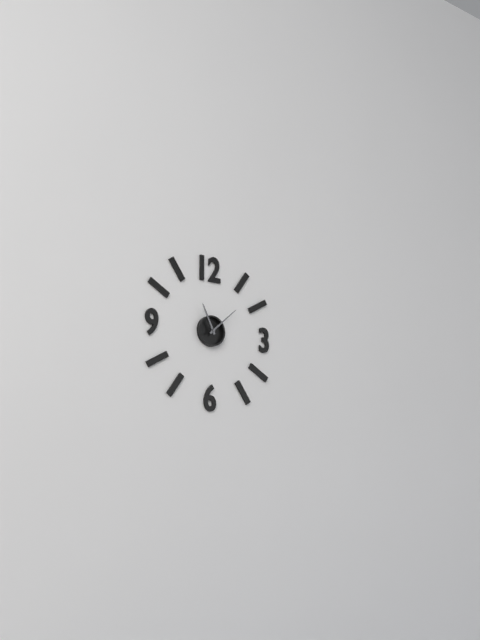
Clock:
11:08
